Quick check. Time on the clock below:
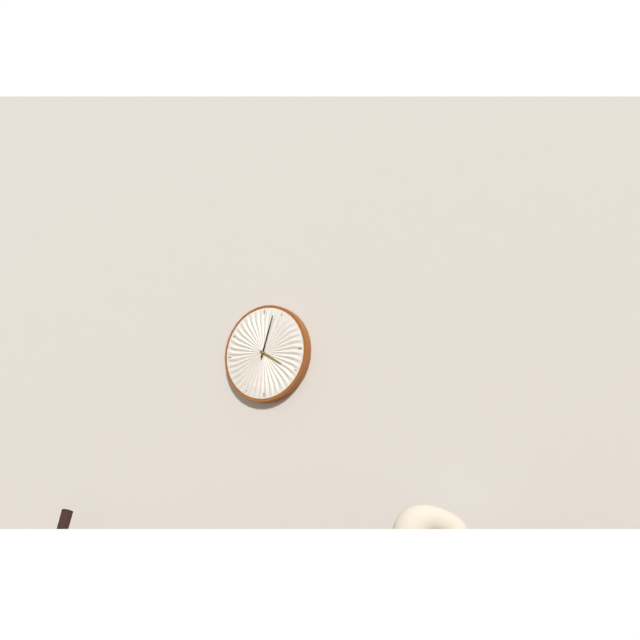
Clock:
4:03
